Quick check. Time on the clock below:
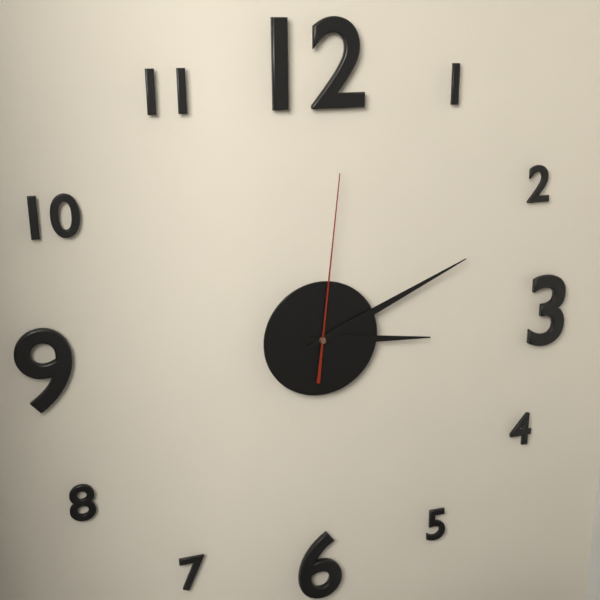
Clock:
3:11:01
